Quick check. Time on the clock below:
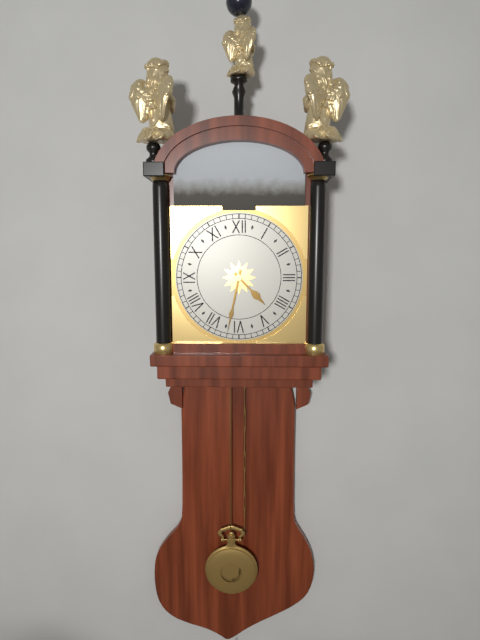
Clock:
4:32
